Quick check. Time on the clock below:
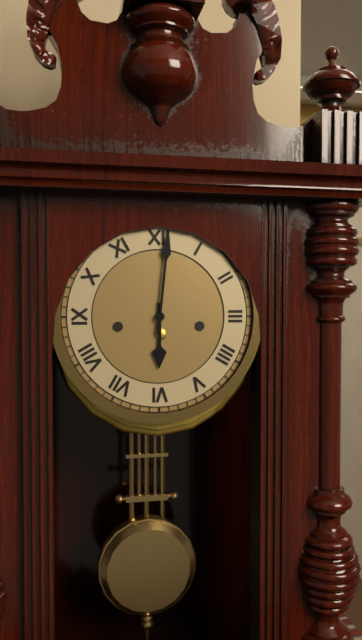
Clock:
6:01
